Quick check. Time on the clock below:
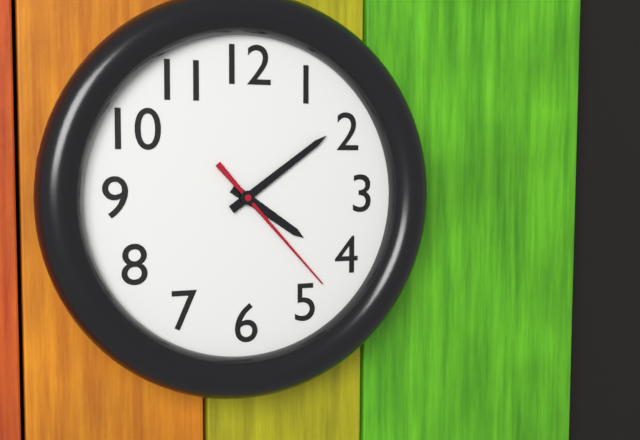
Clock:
4:09:23
